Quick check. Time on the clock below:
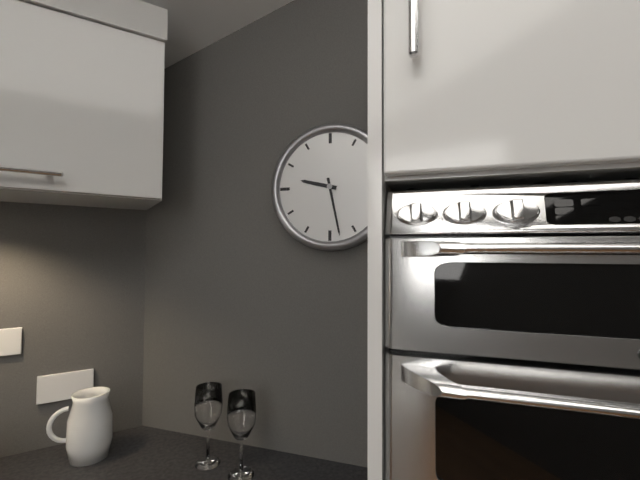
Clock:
9:28
